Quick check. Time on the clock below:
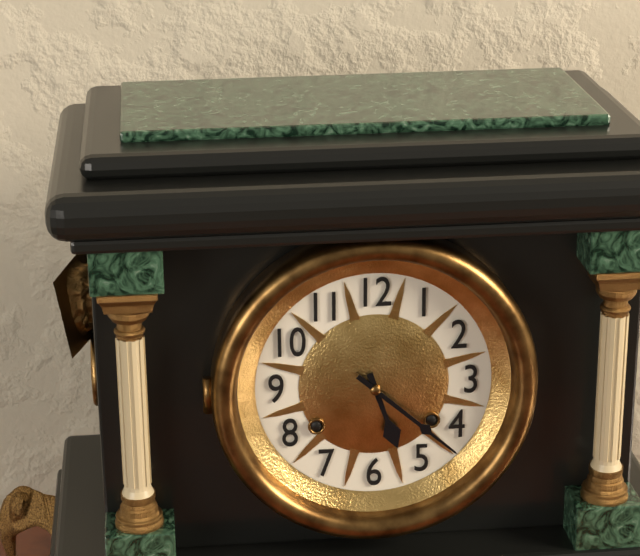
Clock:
5:22
